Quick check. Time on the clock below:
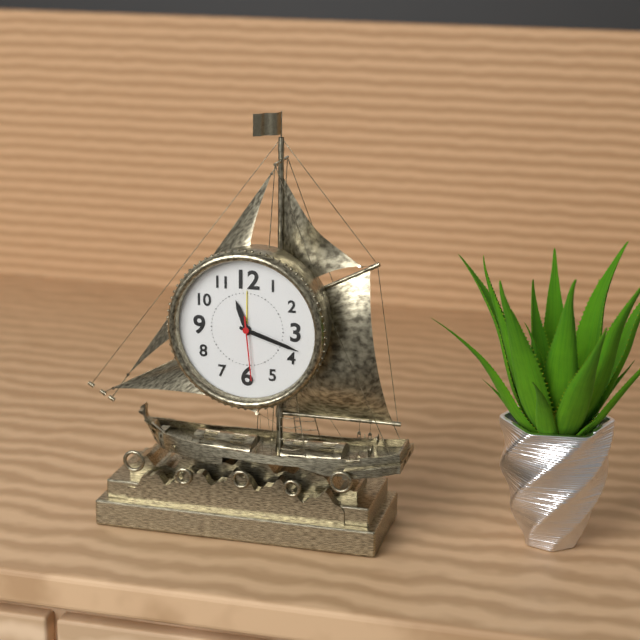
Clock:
11:18:29
